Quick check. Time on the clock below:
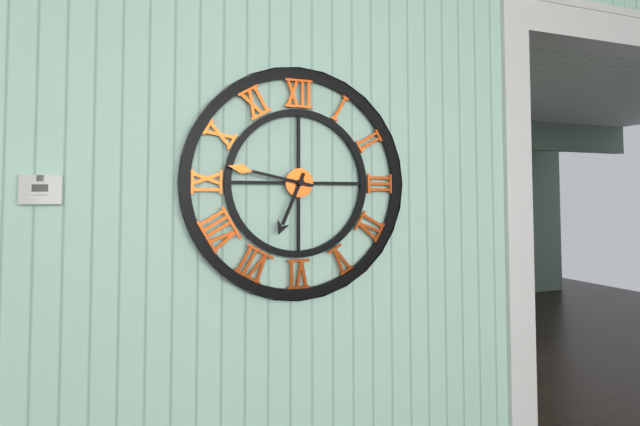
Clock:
6:47
